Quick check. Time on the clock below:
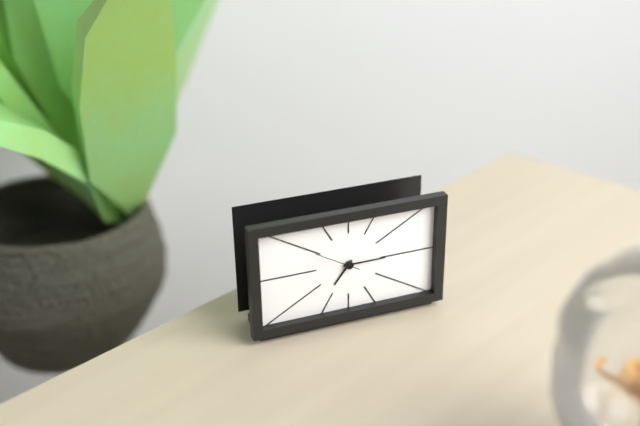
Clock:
7:15
